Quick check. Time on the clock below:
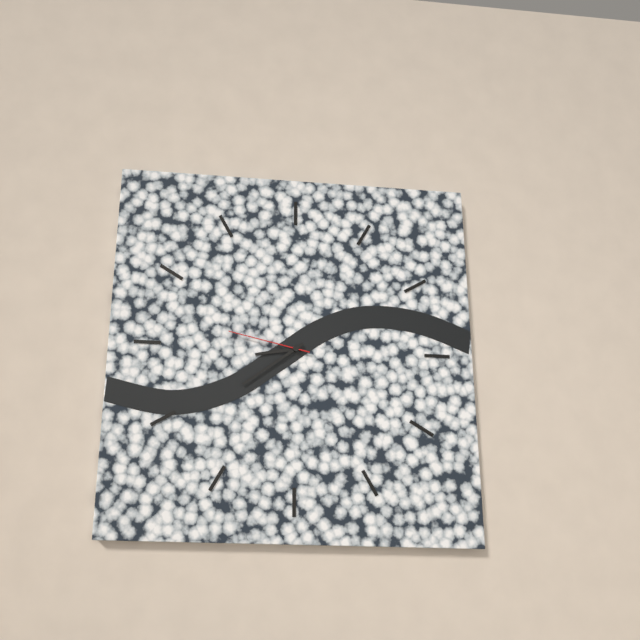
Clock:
8:39:47
